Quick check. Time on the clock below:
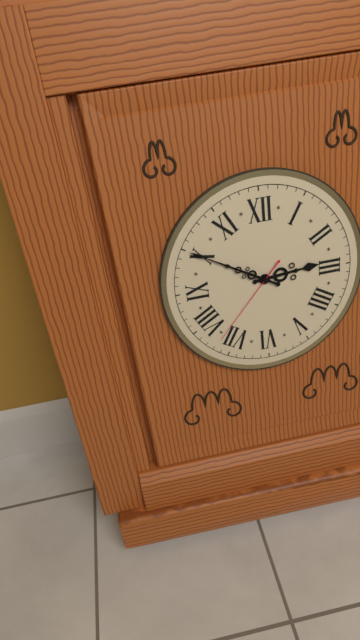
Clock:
2:50:37
